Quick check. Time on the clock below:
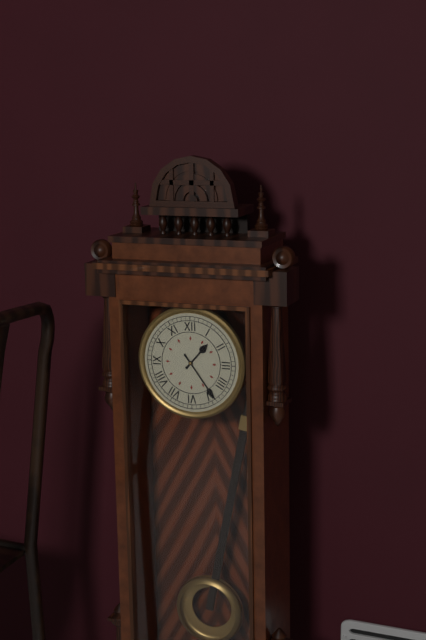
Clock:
1:24
